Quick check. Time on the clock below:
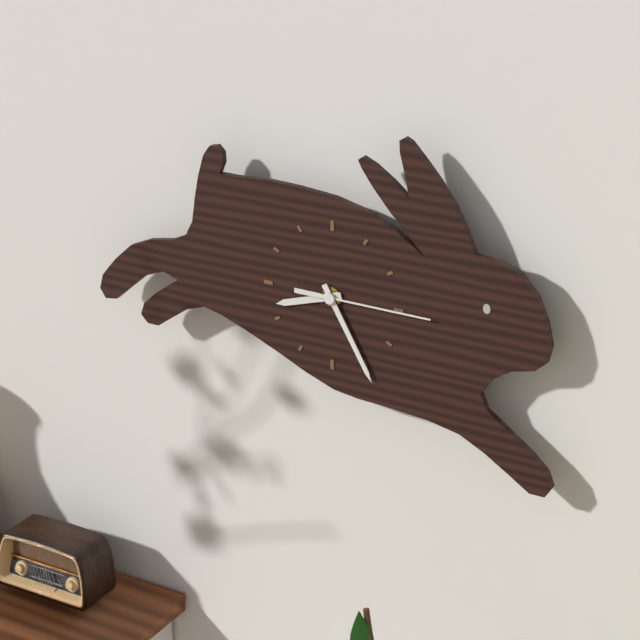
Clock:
8:25:15
